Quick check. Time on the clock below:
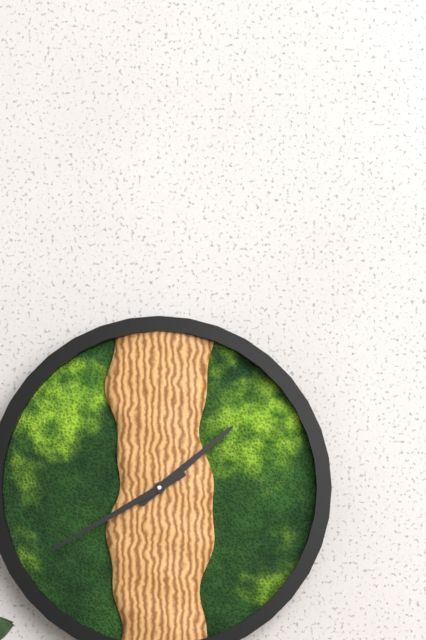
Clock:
1:40
